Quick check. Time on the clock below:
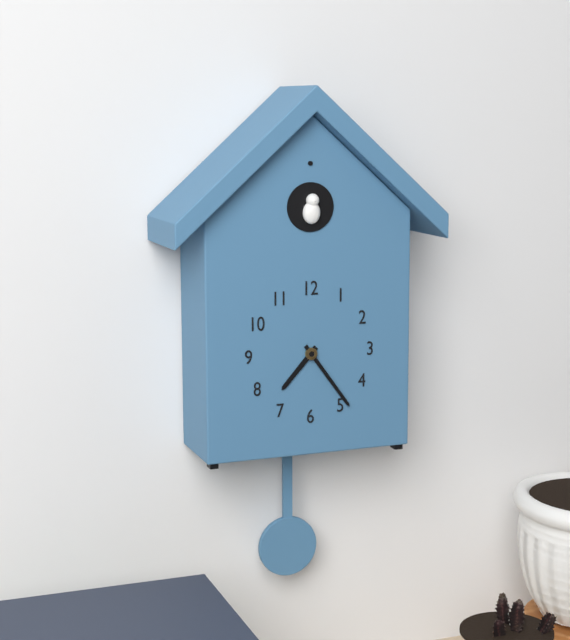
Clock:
7:24
